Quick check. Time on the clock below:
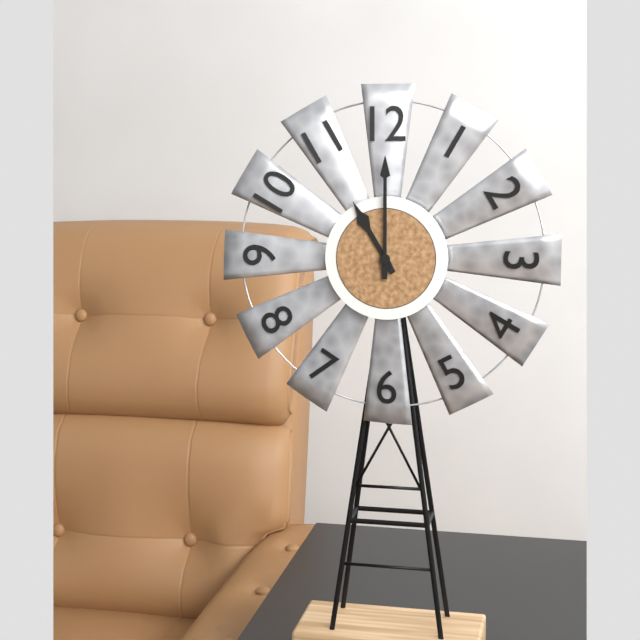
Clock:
11:00
